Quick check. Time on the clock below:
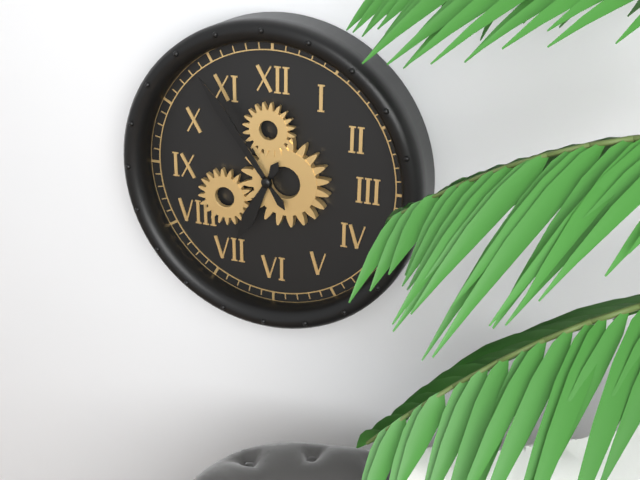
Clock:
6:54
